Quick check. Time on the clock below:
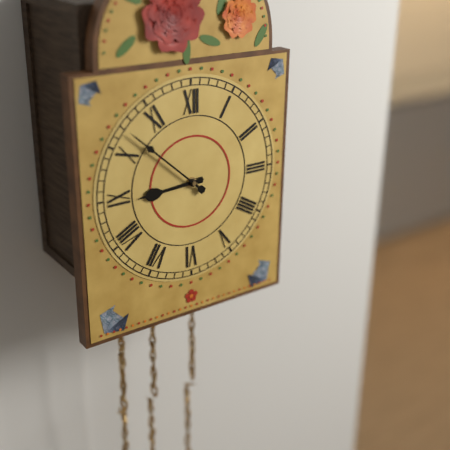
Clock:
8:52
